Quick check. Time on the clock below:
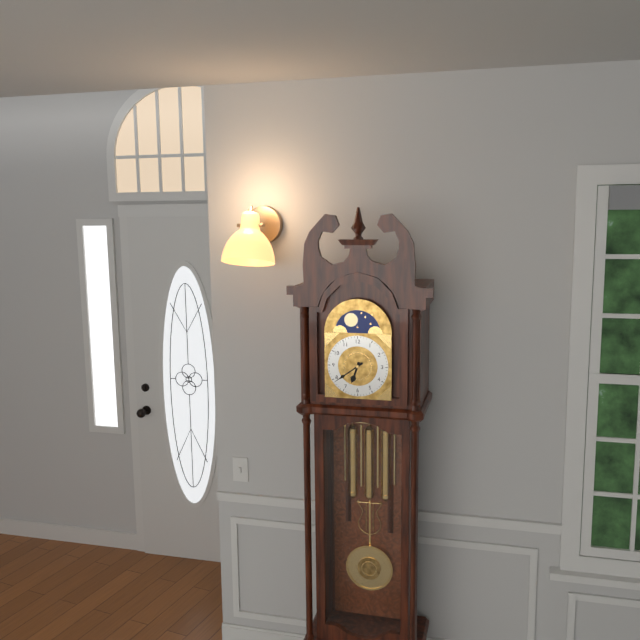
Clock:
6:39
